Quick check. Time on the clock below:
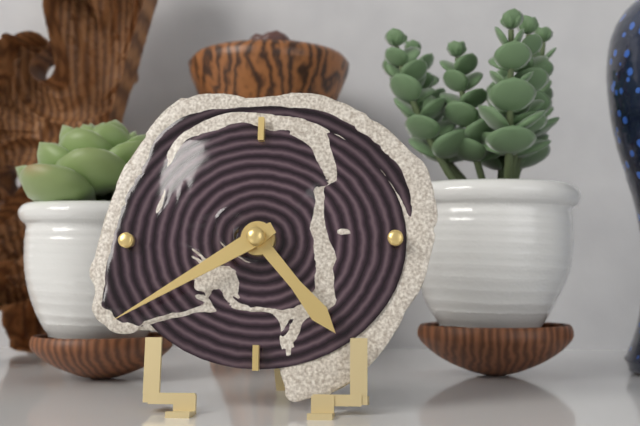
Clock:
4:40
